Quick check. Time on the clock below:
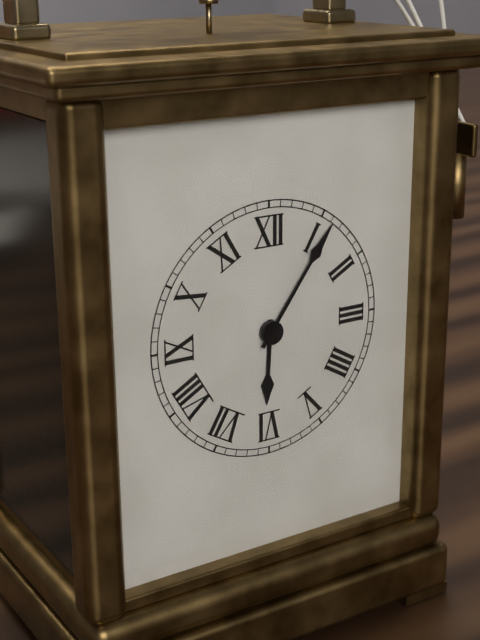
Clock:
6:06
